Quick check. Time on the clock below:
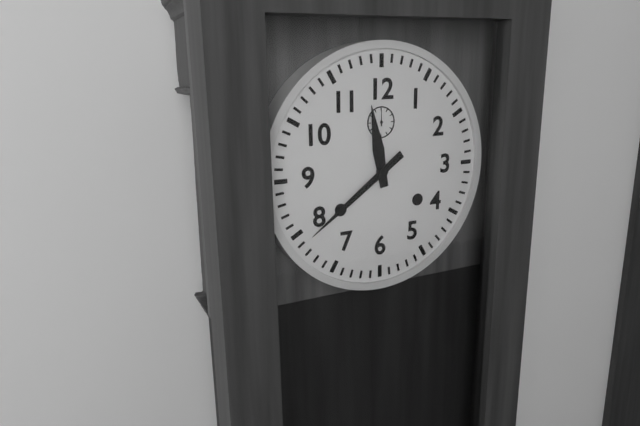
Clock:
11:39
